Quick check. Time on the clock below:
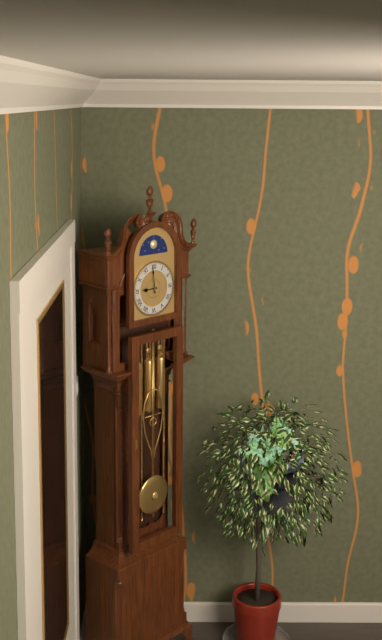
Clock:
8:59
